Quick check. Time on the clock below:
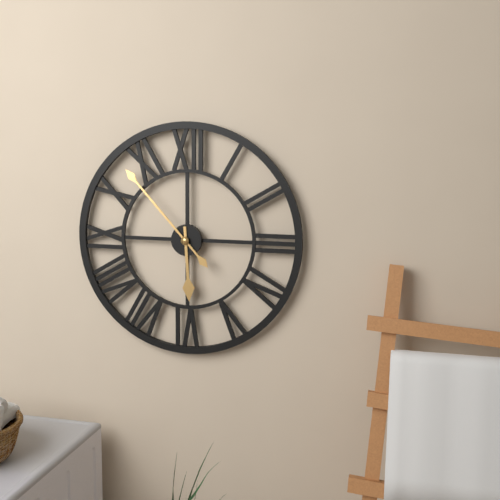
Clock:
5:53
